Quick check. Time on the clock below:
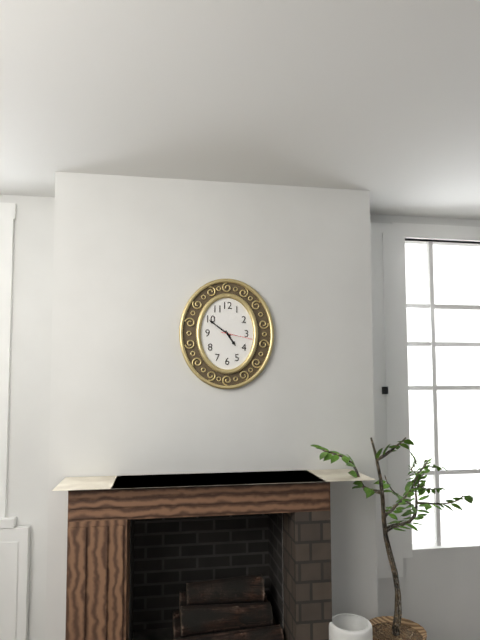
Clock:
4:51
